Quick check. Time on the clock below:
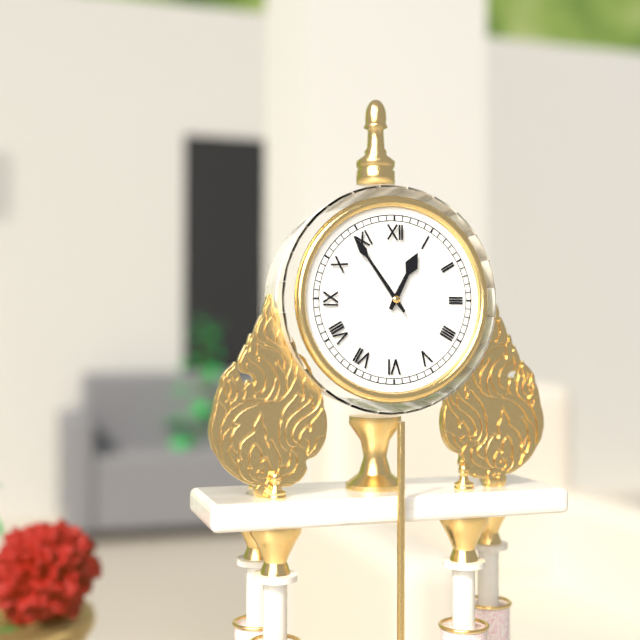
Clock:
12:54
